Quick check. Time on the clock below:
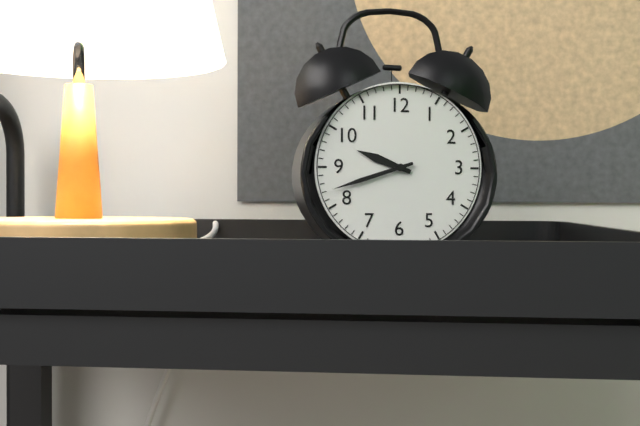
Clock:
9:42
